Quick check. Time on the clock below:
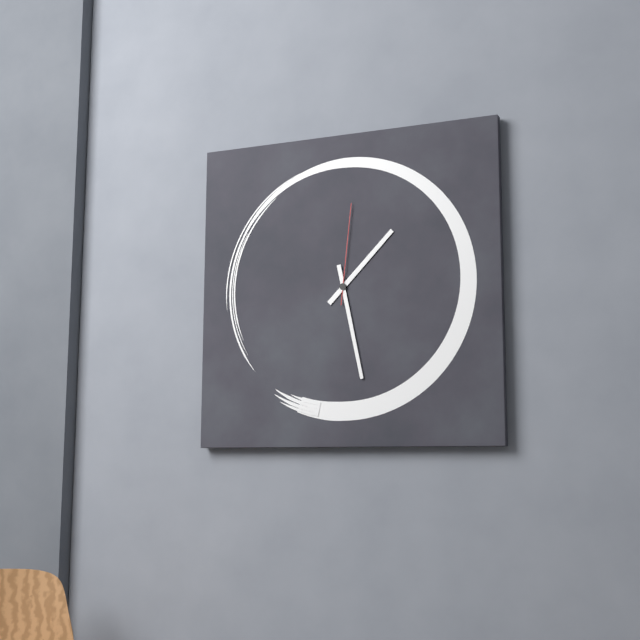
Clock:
1:28:01
